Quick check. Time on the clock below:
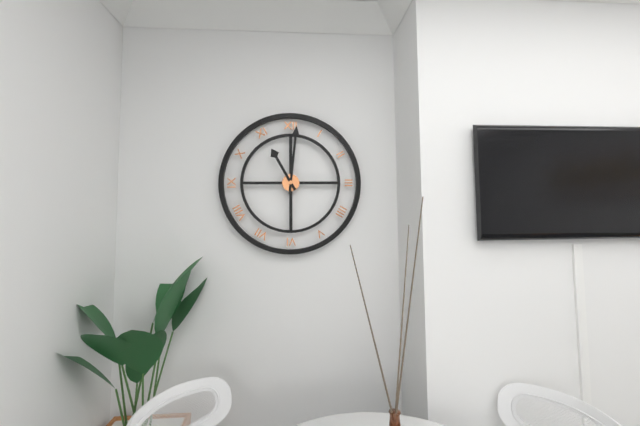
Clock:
11:01
